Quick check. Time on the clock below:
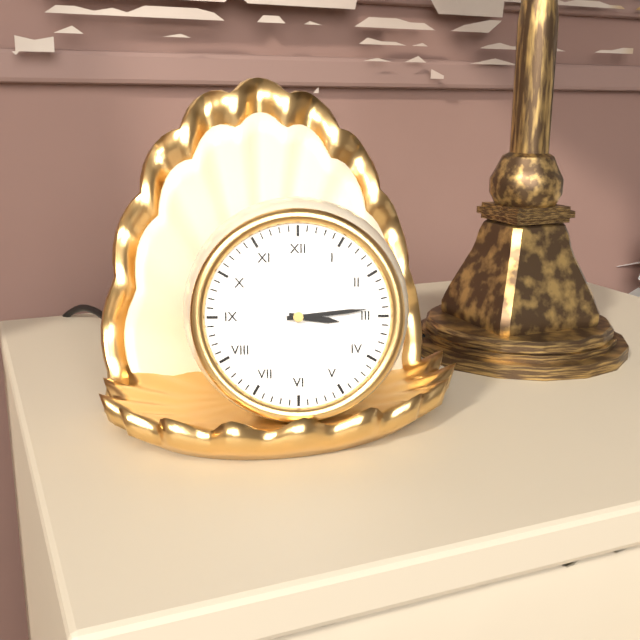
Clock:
3:14
